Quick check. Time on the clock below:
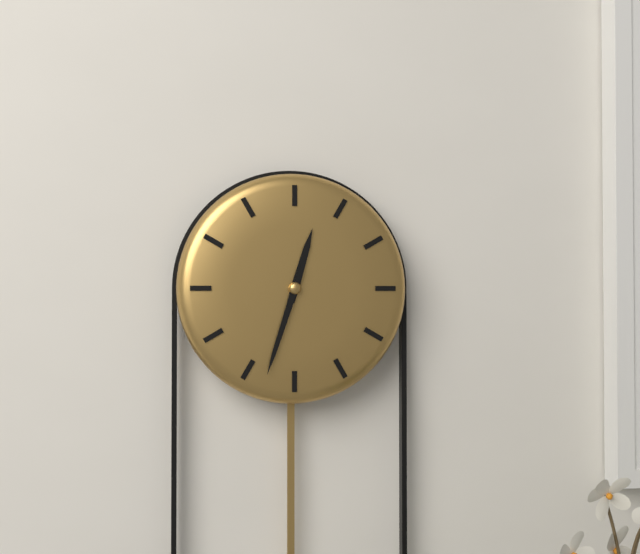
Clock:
12:33
